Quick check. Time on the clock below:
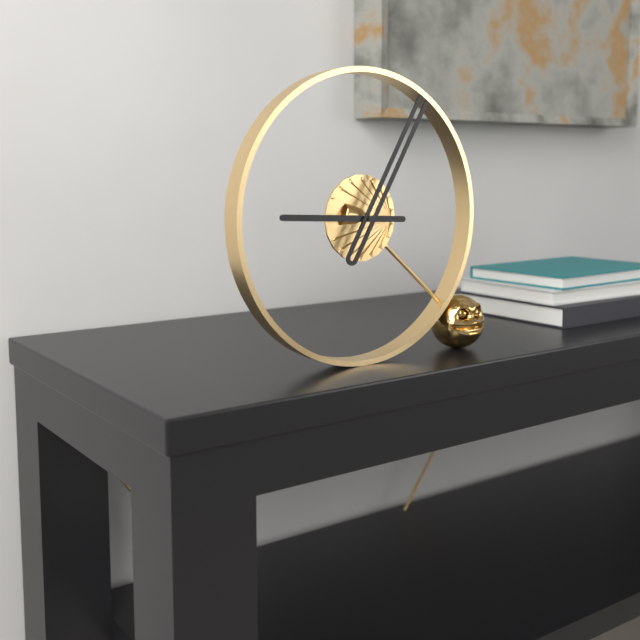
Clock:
9:05
